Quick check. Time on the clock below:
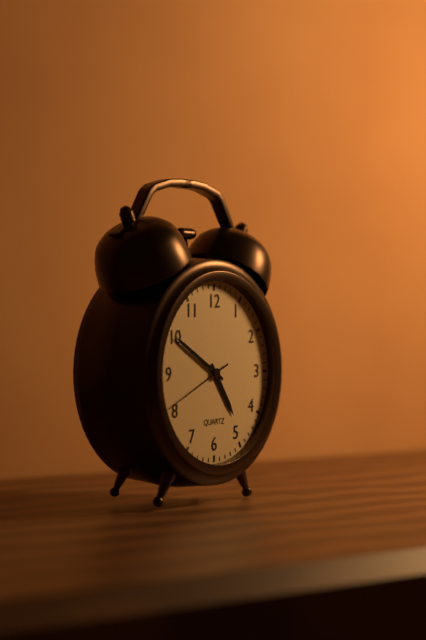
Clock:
4:50:41
